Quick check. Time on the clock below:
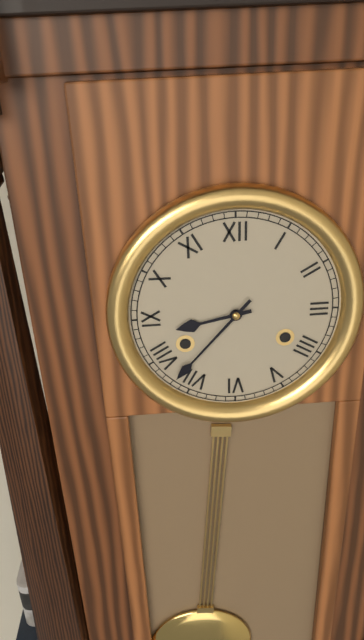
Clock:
8:37
